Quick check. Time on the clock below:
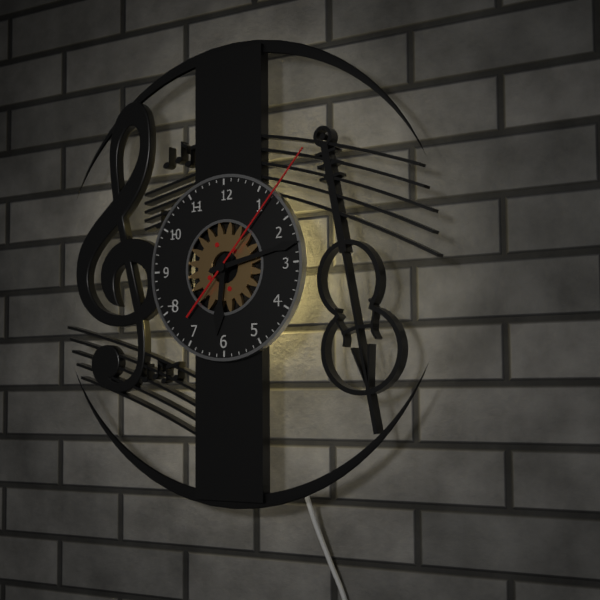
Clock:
6:13:07
